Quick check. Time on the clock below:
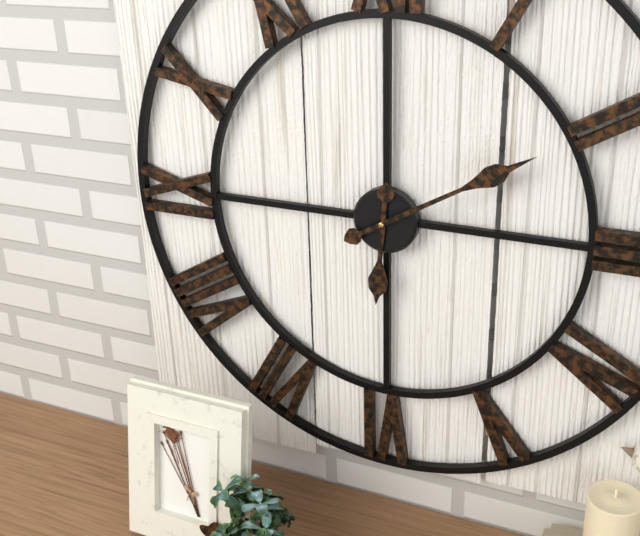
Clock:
6:10
